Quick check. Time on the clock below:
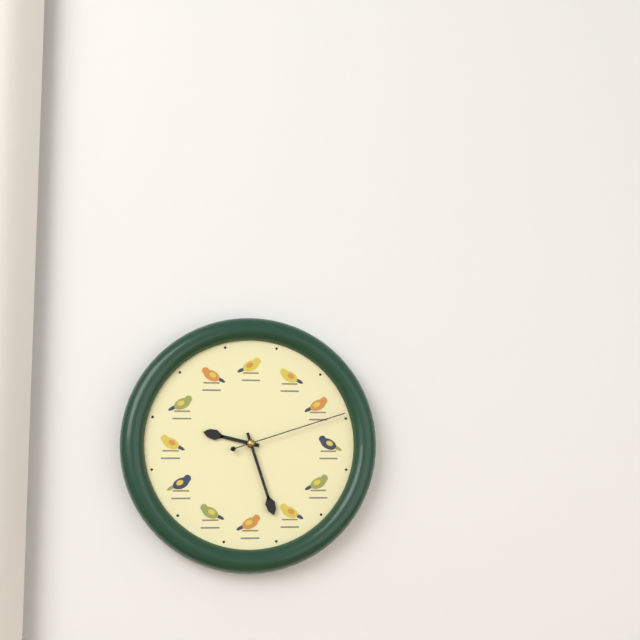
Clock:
9:27:12
